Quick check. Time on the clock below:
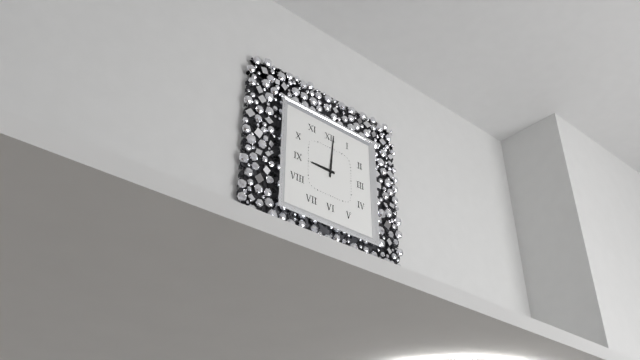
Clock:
9:01
